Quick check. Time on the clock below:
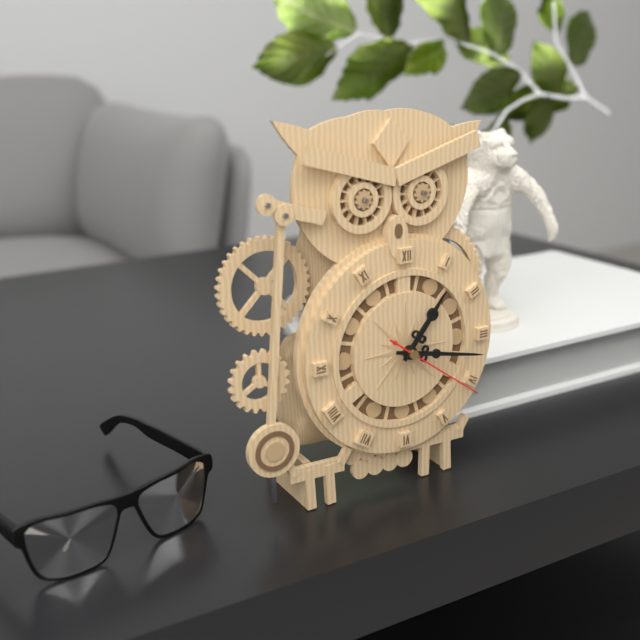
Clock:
1:17:21
